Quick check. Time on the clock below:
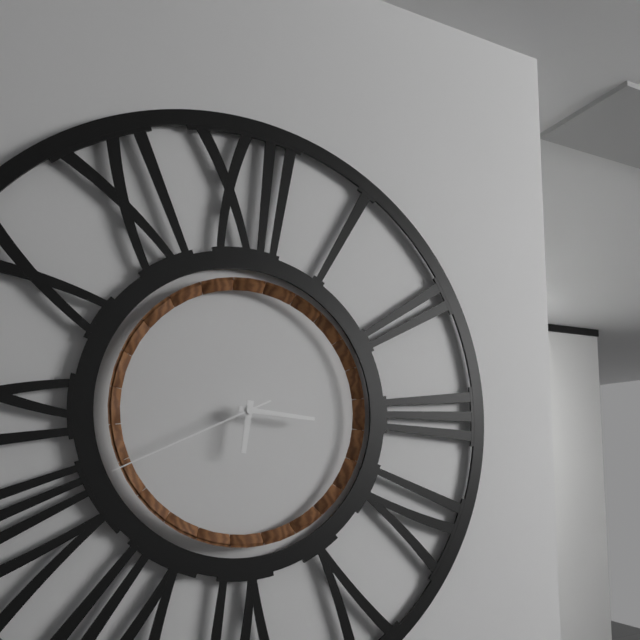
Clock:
6:16:41
